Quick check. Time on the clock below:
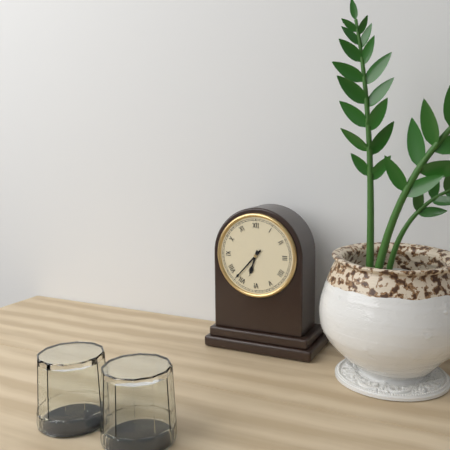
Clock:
6:37
